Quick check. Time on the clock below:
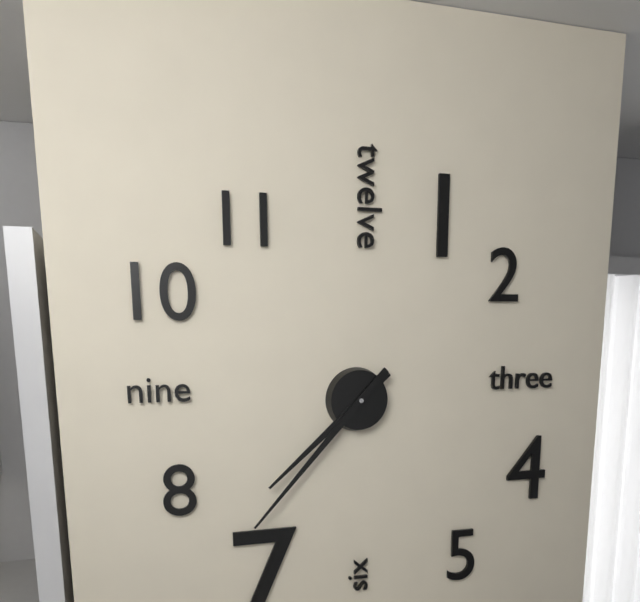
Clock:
7:37
